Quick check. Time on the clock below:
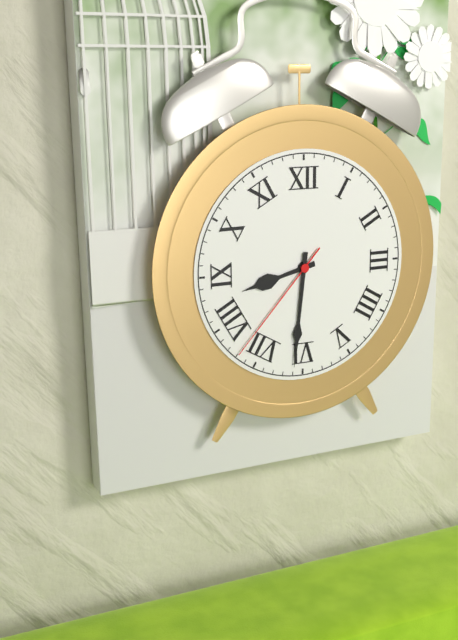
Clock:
8:31:37
